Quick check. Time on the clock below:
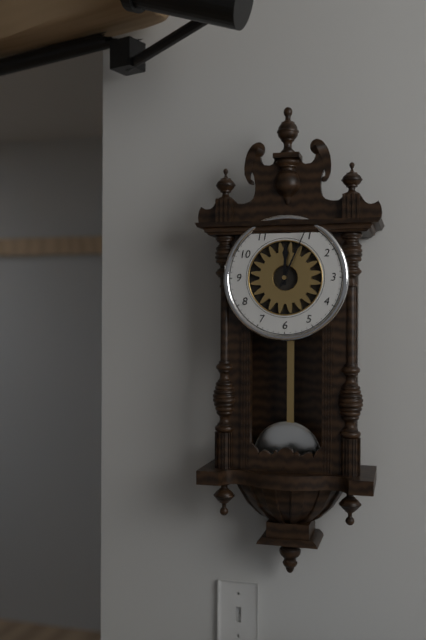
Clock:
12:04
